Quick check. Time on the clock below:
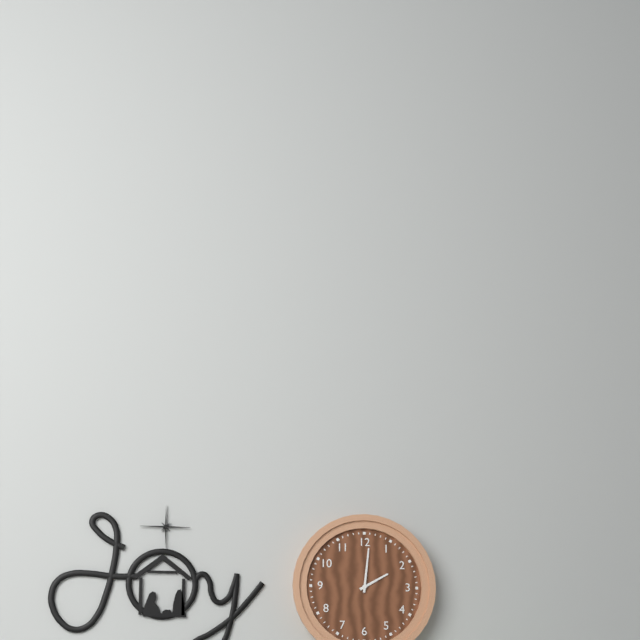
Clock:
2:01
